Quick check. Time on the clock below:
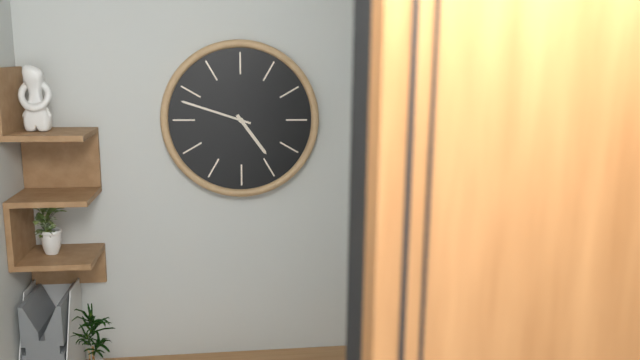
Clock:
4:48
